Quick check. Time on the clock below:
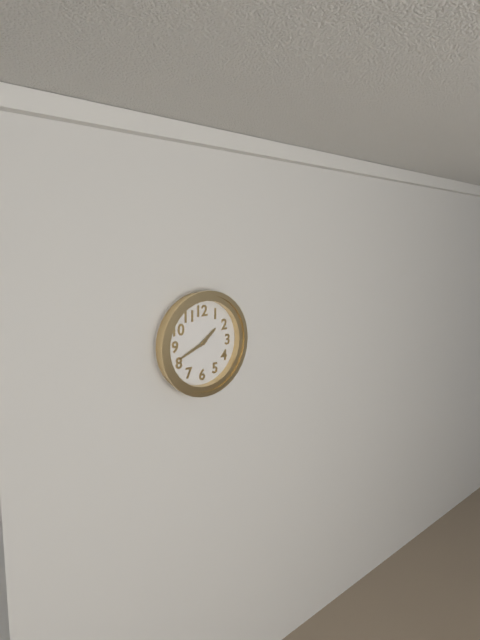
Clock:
1:41
